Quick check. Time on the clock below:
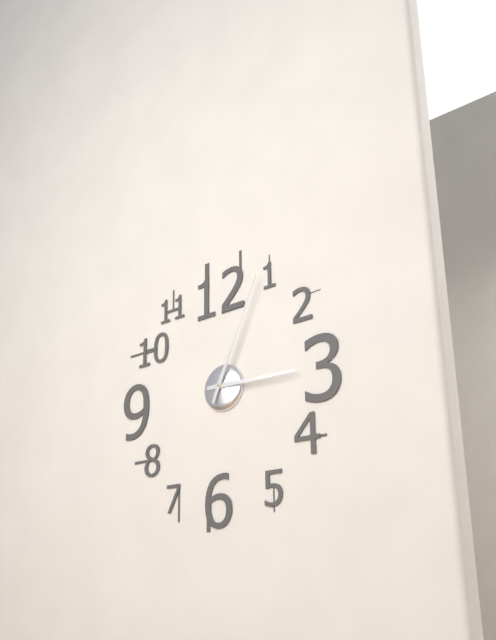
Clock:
3:04
